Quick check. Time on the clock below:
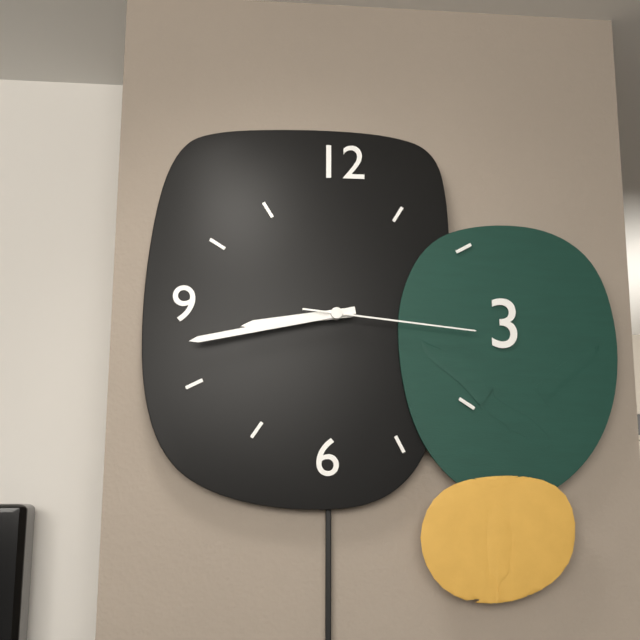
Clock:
8:43:16
